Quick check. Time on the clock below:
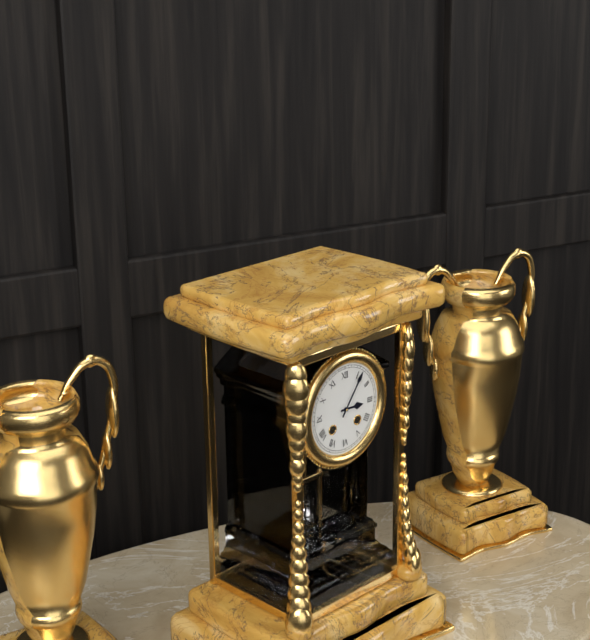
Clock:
3:06
